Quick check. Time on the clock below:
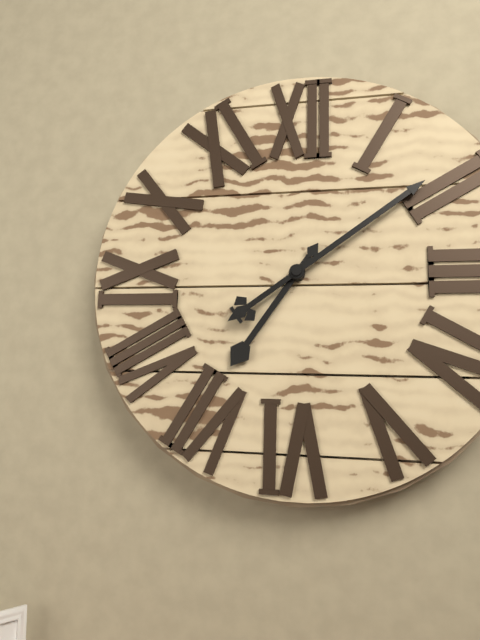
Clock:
7:09
